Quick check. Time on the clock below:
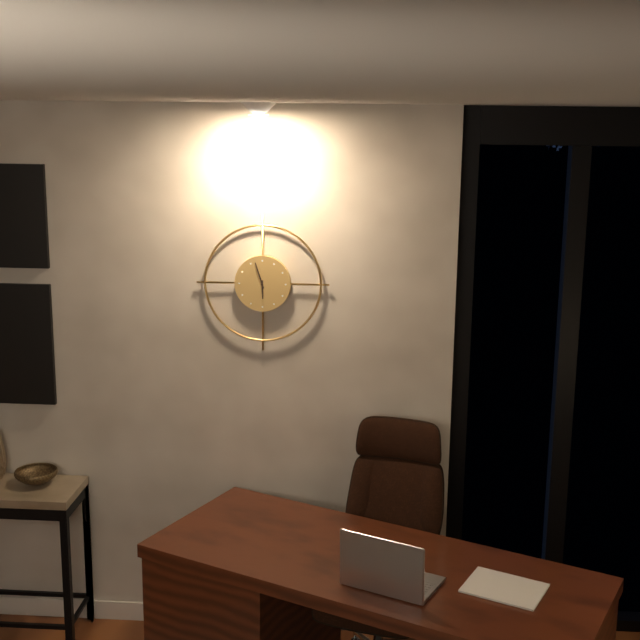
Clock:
5:57
